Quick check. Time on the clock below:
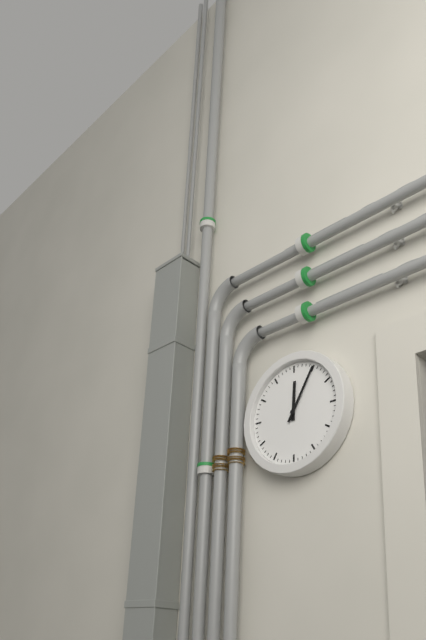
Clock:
12:05
